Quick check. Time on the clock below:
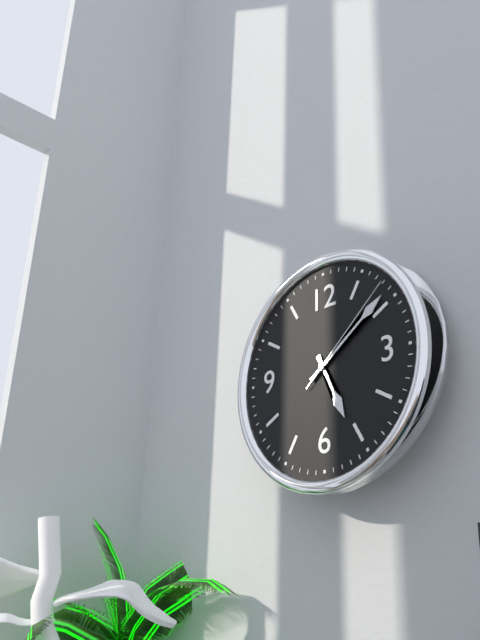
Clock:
5:09:08
